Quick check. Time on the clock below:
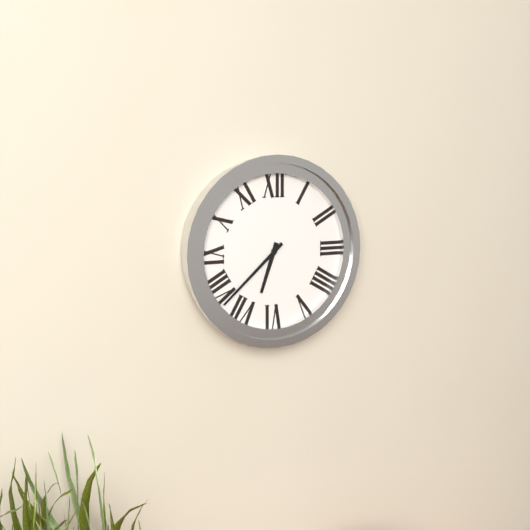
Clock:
6:38
